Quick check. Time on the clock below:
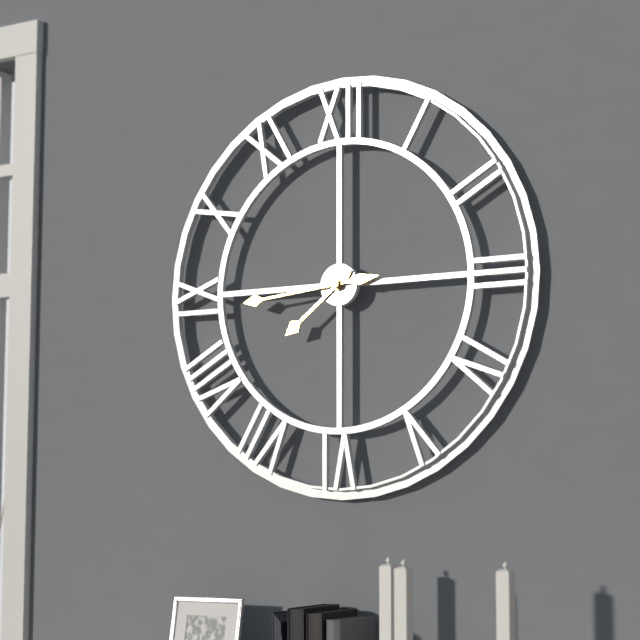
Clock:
7:44
